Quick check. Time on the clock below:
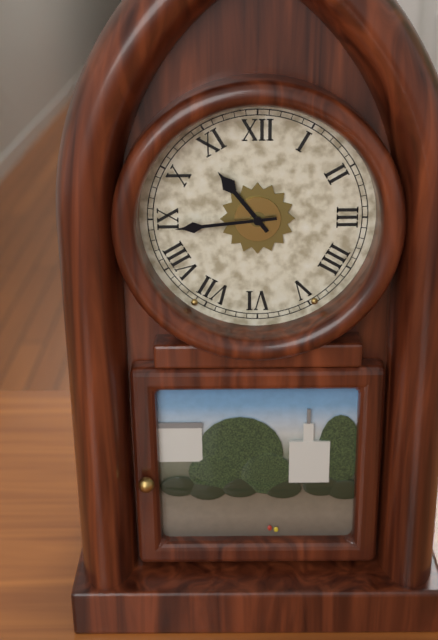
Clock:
10:44
